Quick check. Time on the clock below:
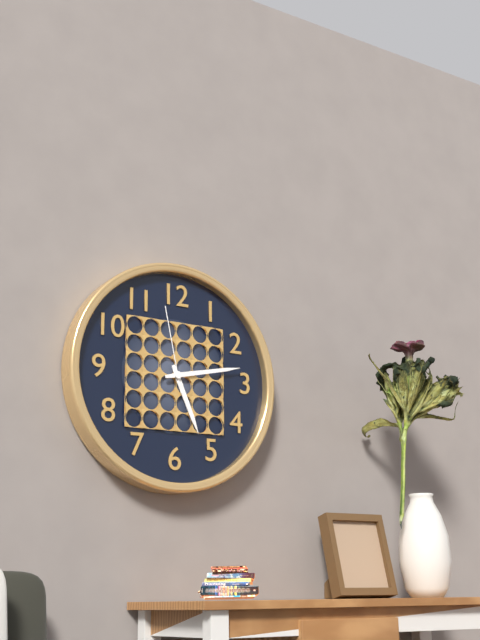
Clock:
5:13:58
